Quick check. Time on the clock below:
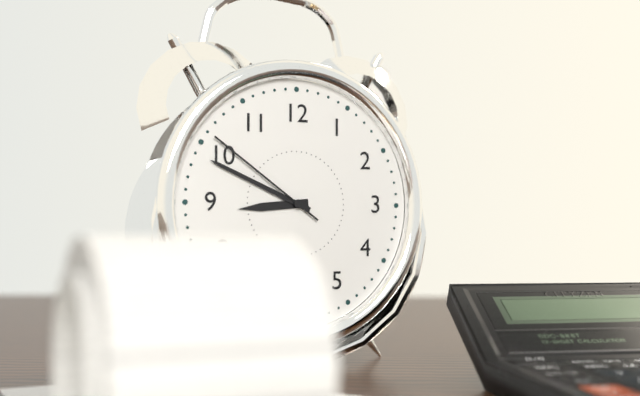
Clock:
8:49:51
